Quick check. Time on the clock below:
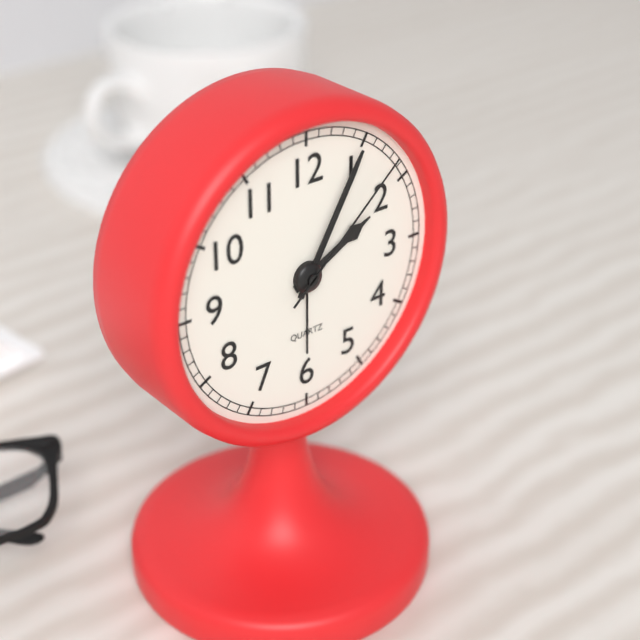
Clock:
2:05:08
